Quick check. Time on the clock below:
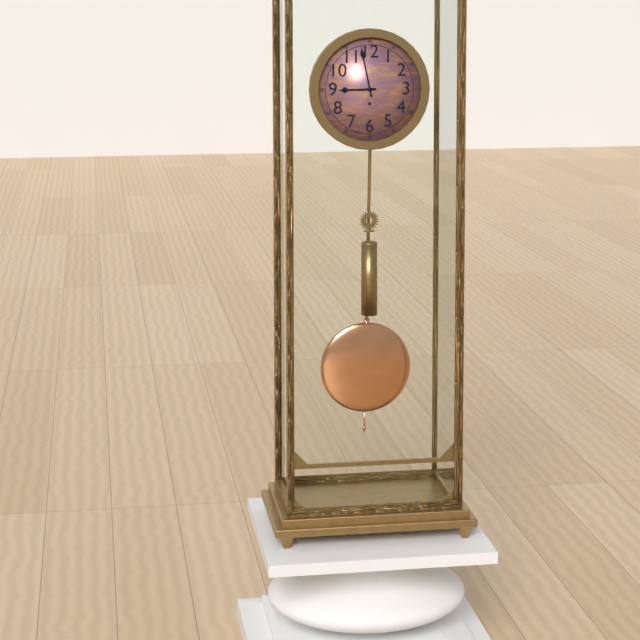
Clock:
8:58
